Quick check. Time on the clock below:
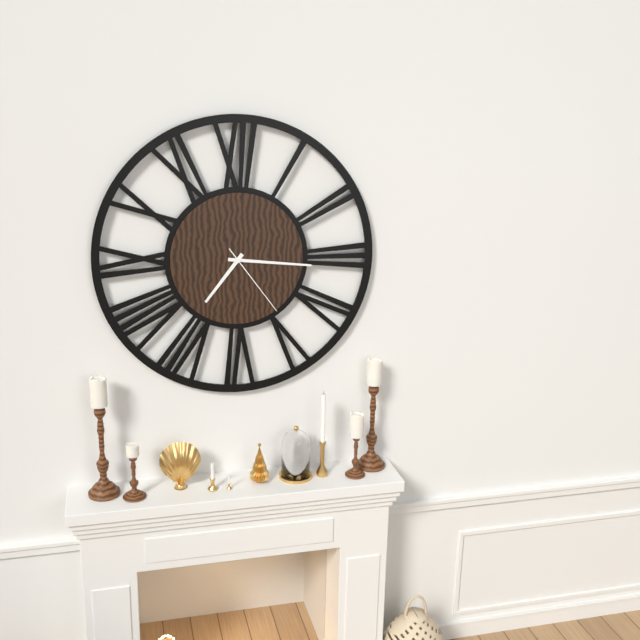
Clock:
7:16:24
